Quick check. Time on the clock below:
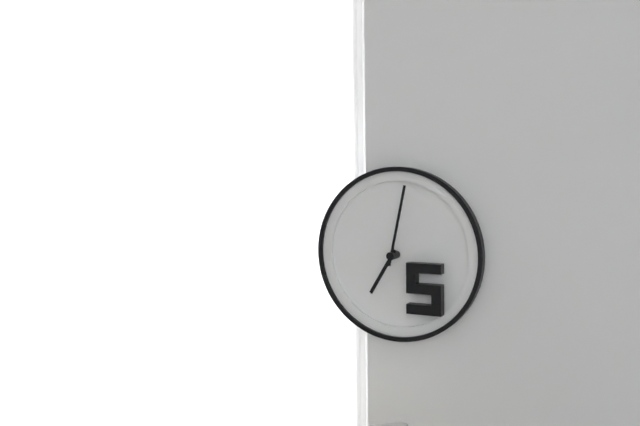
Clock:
7:02
